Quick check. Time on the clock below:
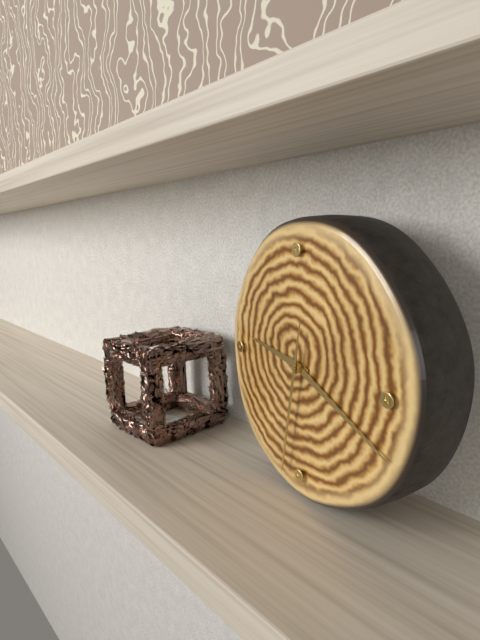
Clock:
9:19:32
